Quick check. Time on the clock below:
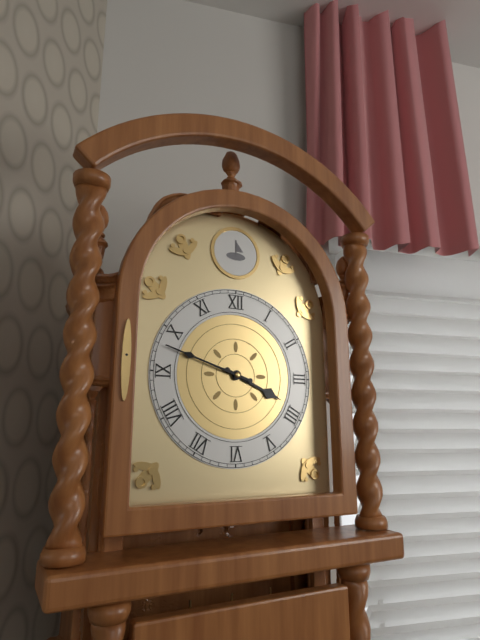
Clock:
3:48
